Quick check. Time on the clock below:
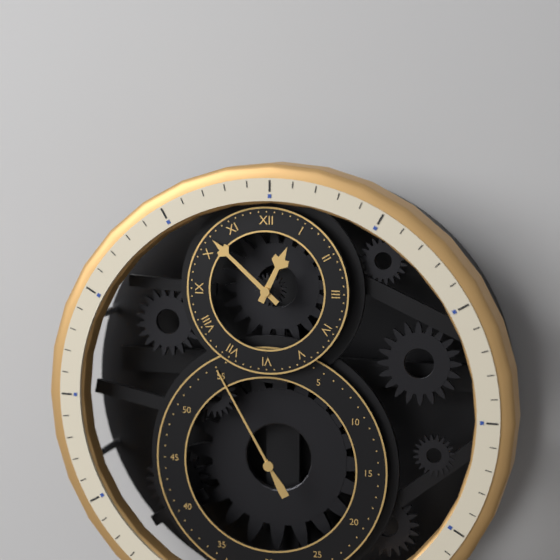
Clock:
12:52:55
